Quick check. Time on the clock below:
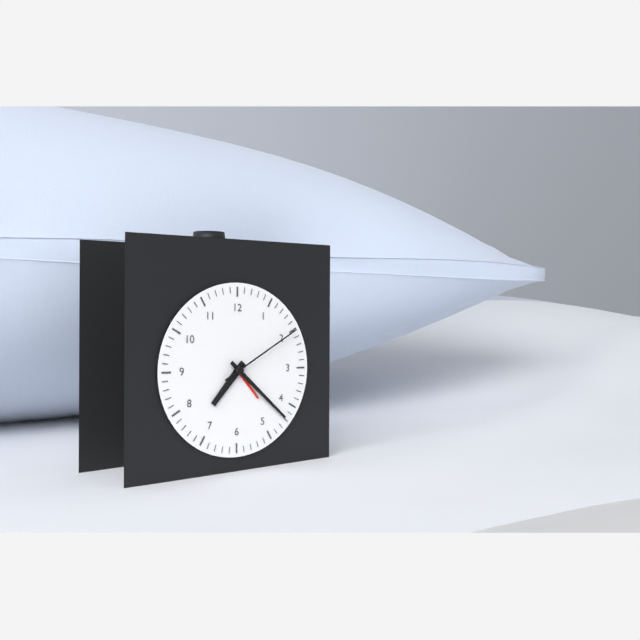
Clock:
7:22:10
